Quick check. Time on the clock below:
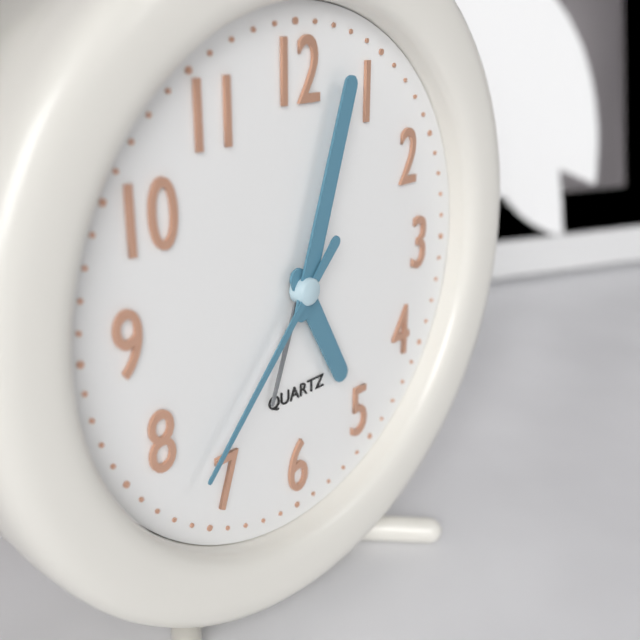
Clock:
5:03:37
